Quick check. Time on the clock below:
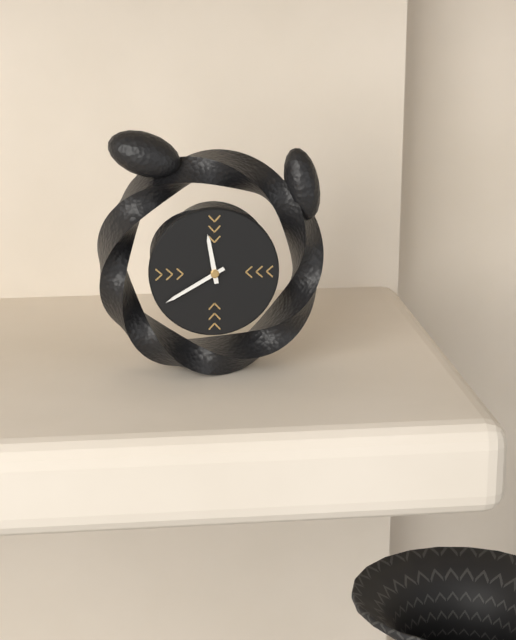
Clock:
11:40
